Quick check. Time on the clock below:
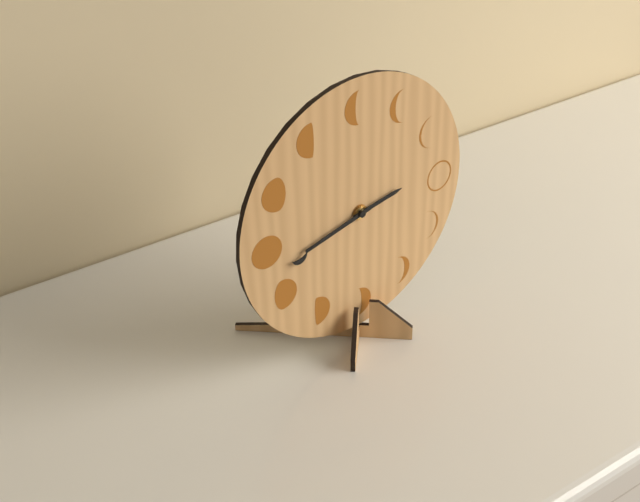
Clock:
2:43
